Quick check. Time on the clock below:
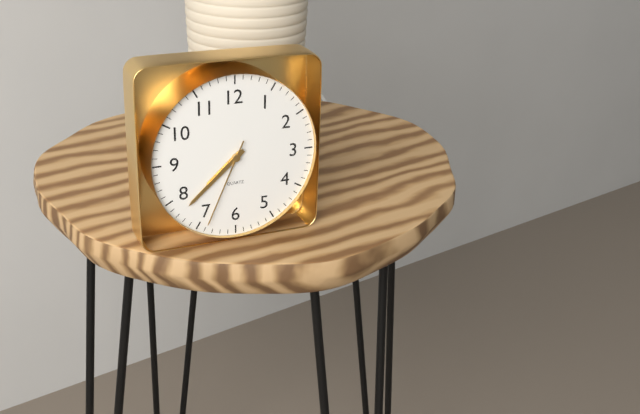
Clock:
7:38:34
